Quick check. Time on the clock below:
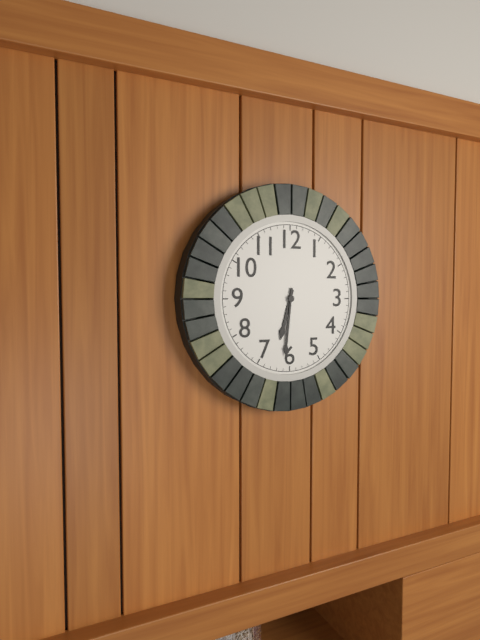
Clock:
6:31
